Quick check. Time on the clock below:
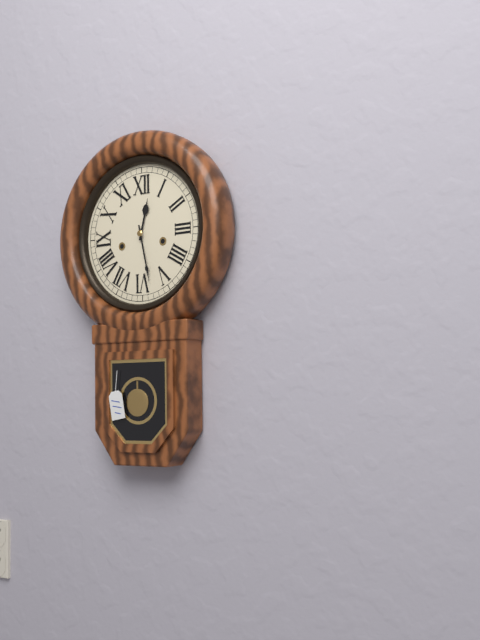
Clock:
12:28
